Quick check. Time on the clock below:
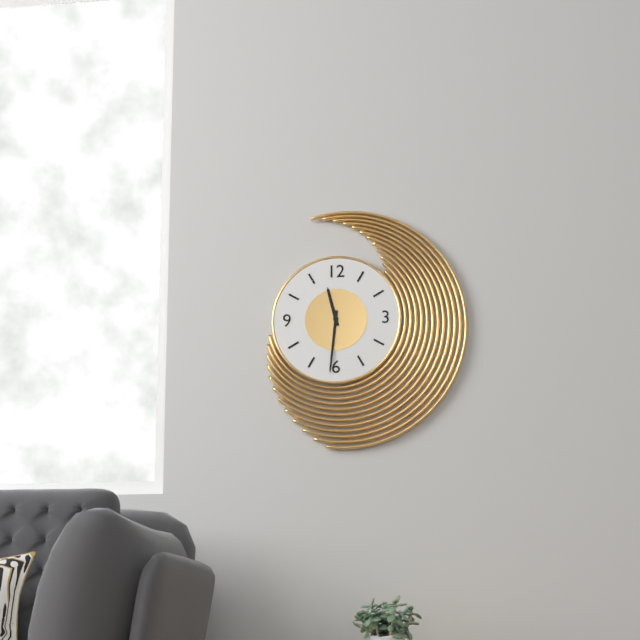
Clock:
11:31
